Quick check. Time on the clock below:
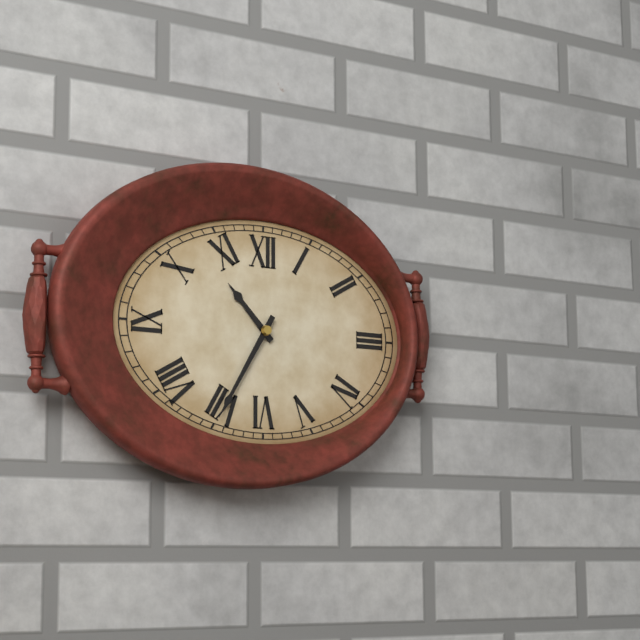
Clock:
10:35
